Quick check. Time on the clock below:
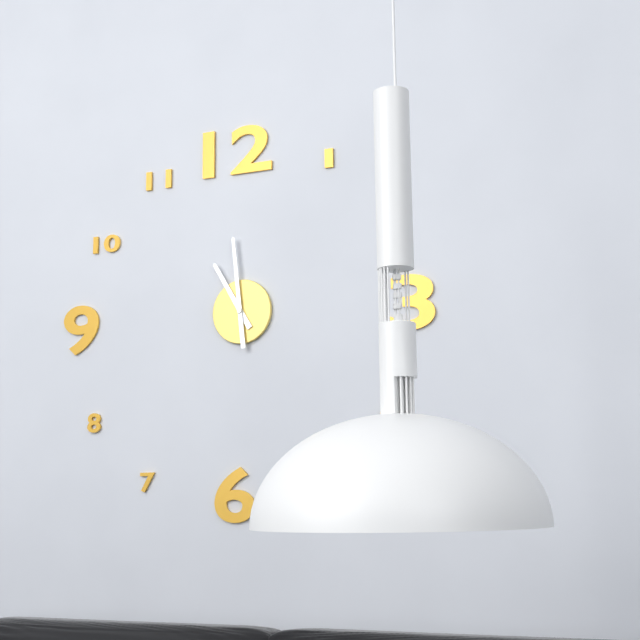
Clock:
10:59
